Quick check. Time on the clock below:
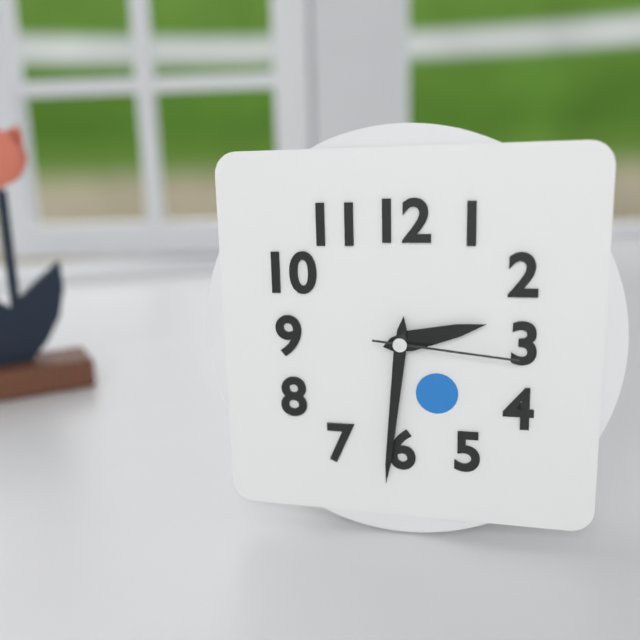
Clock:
2:31:16
